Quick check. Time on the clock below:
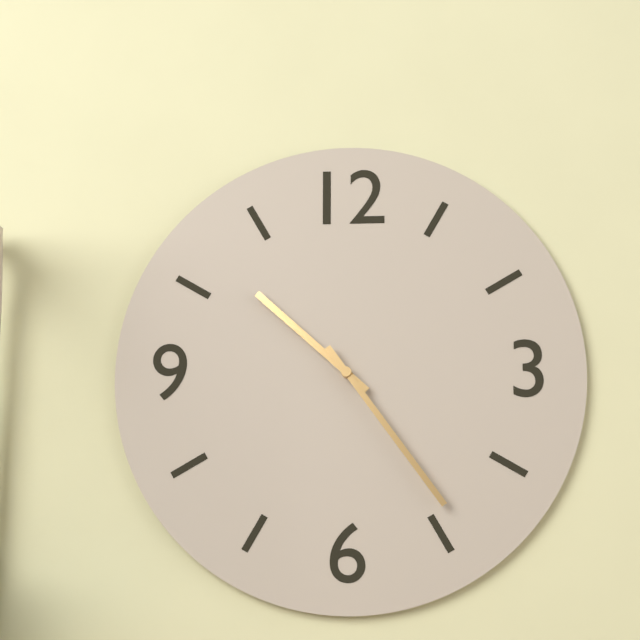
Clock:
10:24
